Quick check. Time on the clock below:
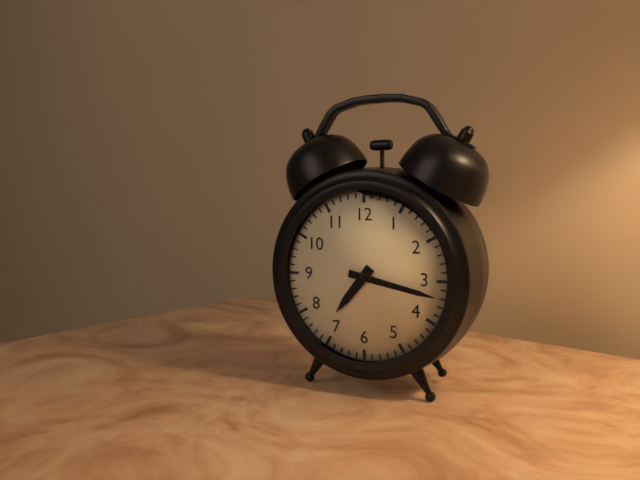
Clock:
7:17
